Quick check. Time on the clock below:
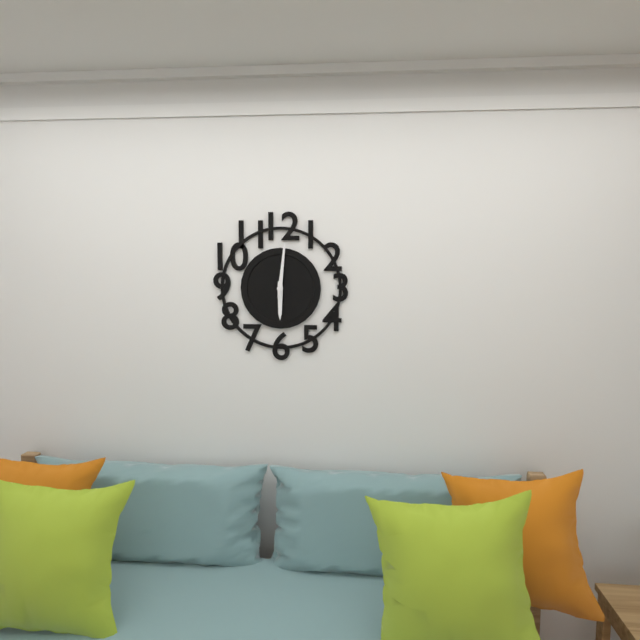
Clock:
6:01
